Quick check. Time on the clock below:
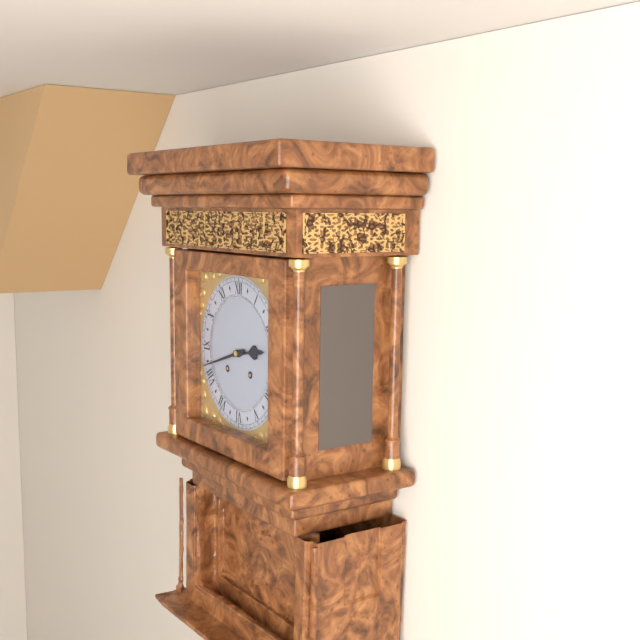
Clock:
2:42
